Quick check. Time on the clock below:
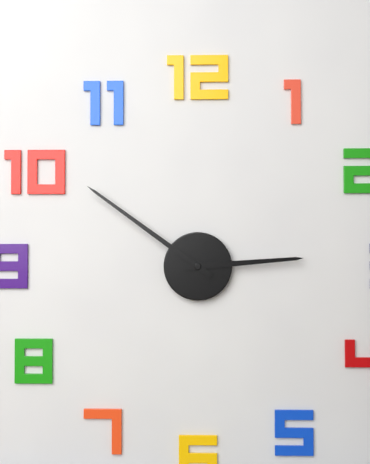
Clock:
2:51
